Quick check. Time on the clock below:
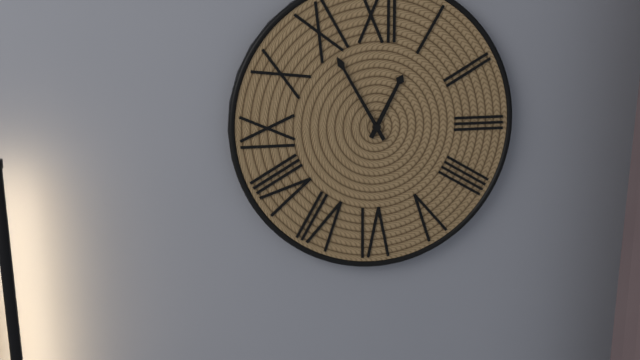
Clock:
12:55
